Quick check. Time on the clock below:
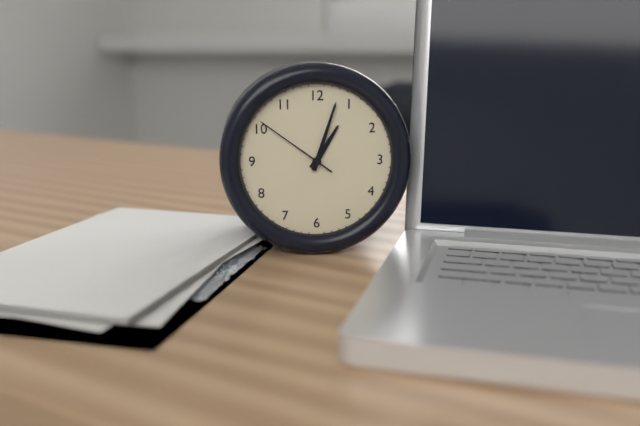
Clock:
1:03:51
